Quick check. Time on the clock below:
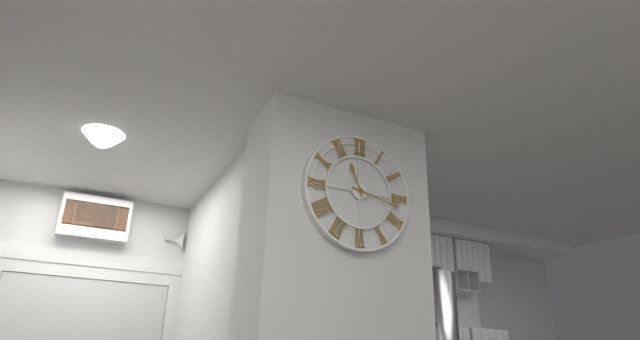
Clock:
11:17
